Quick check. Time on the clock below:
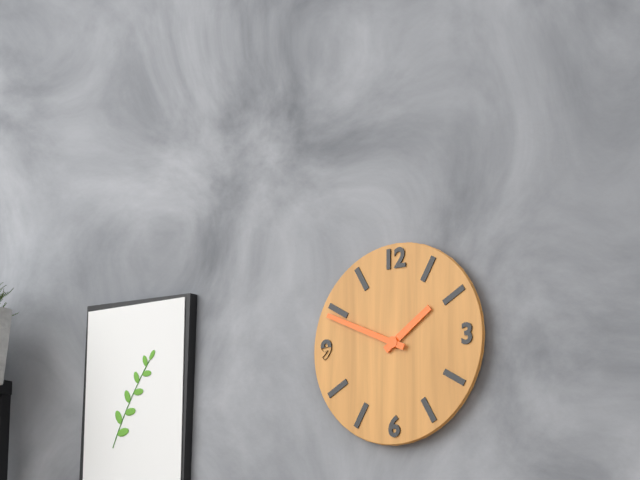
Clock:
1:49
